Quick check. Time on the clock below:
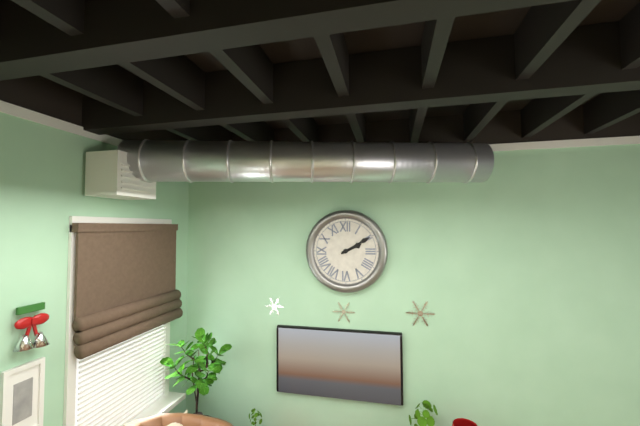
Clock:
2:10
